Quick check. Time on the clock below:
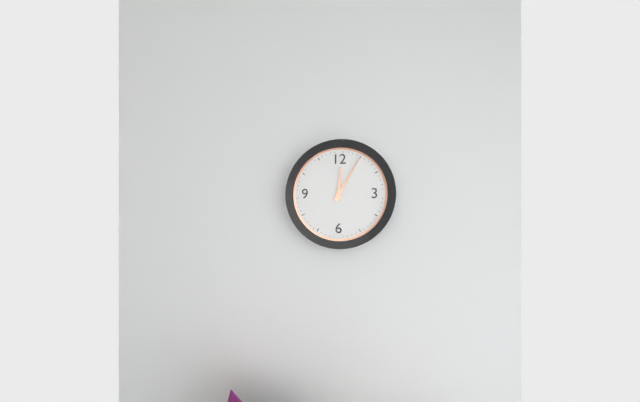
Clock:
12:05
